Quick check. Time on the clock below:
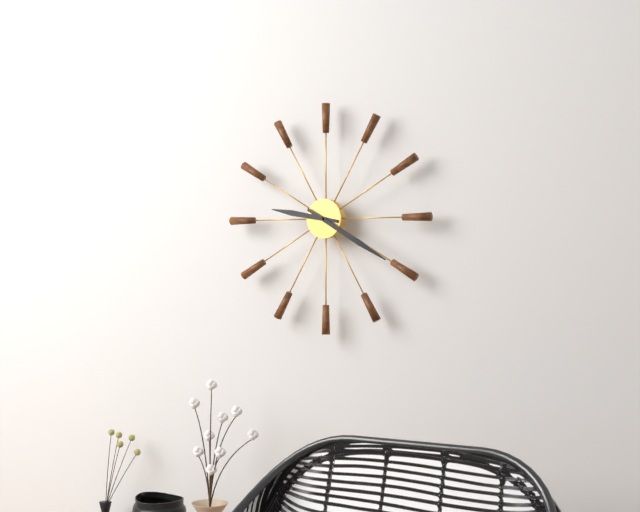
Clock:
9:20
